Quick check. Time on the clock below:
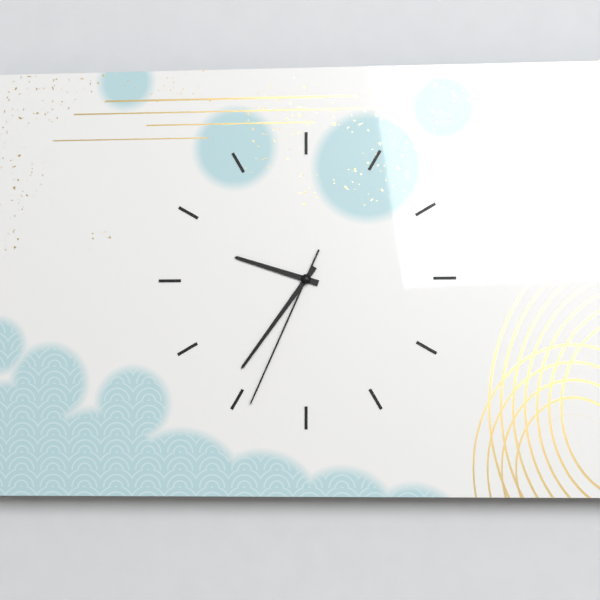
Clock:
9:36:34
